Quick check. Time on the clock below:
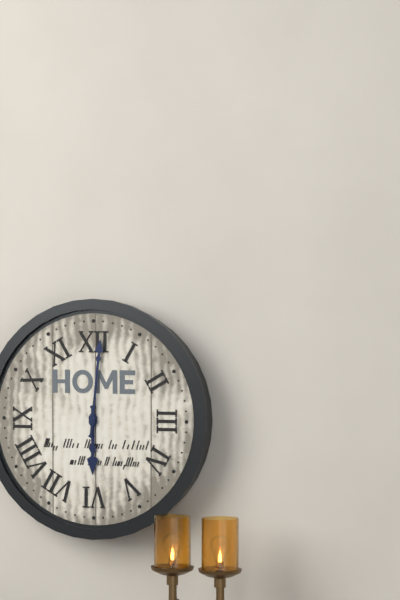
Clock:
6:01
